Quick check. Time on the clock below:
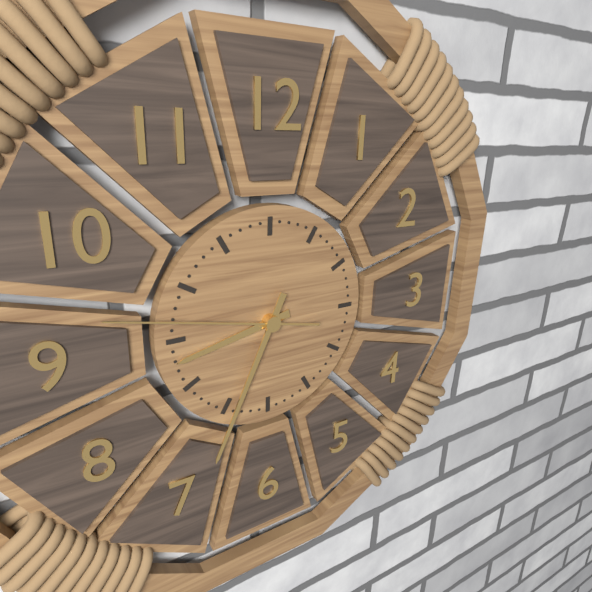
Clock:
8:34:47
